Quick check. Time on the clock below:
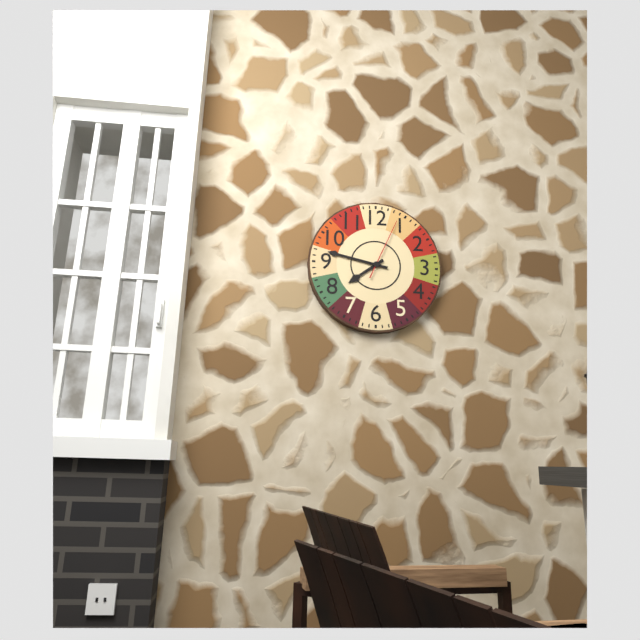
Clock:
7:47:04
